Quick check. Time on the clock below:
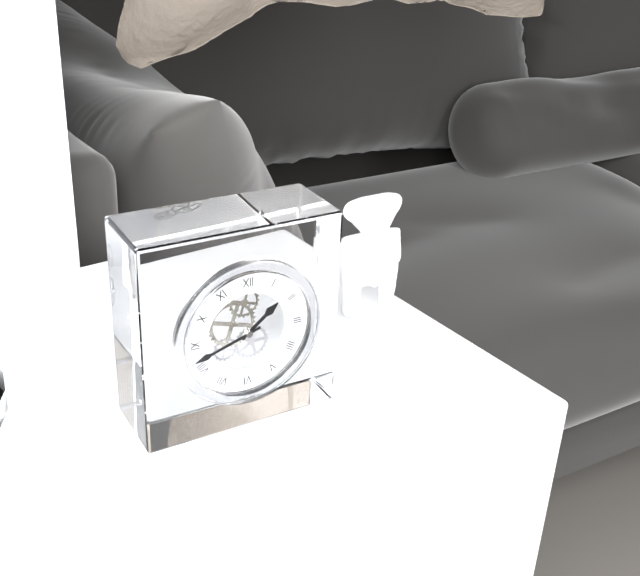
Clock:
1:42
